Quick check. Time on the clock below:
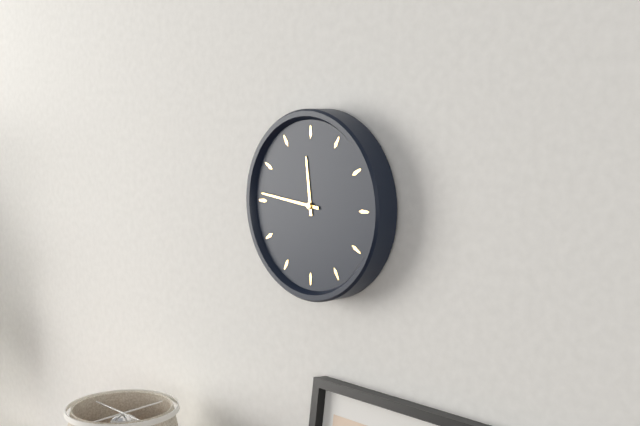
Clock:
11:46
